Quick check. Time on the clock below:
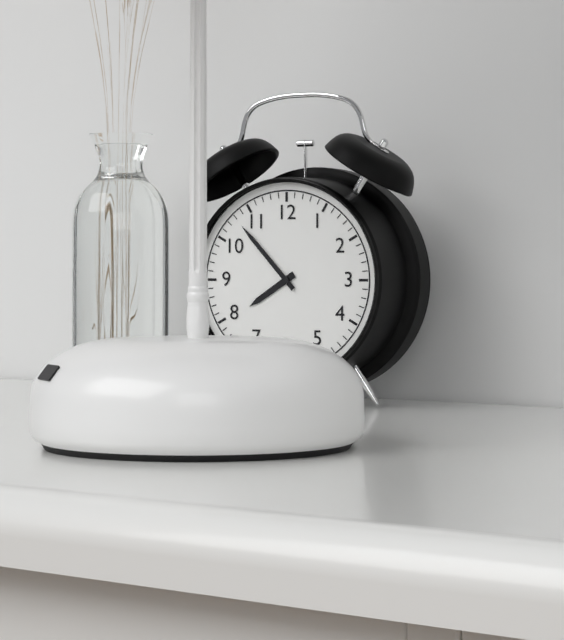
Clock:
7:53
